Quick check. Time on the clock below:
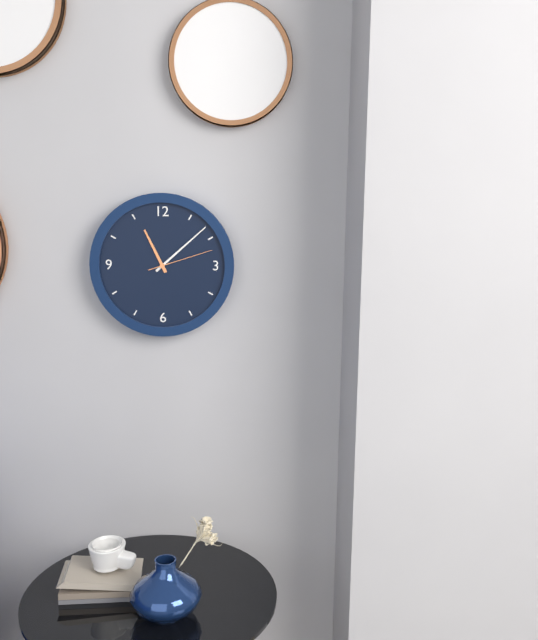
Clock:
11:08:12
